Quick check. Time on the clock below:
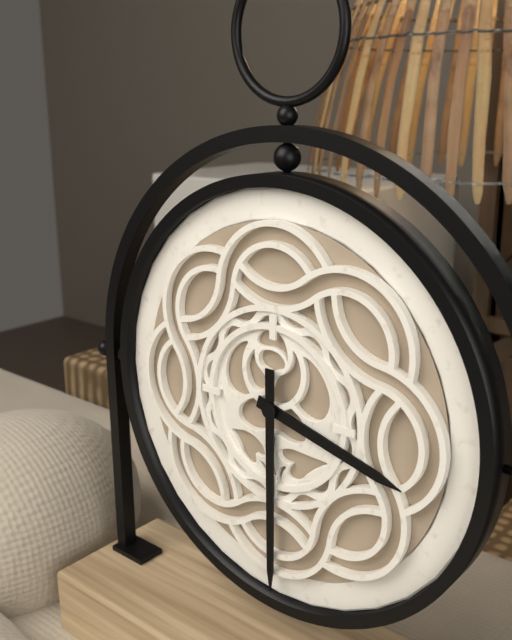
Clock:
3:30
